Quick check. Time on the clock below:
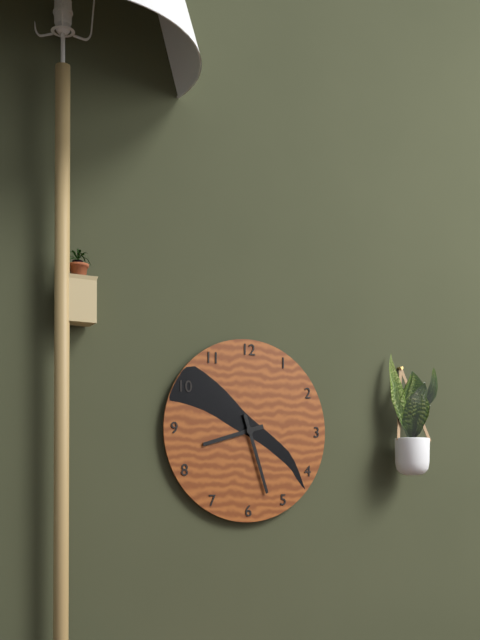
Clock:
8:27
